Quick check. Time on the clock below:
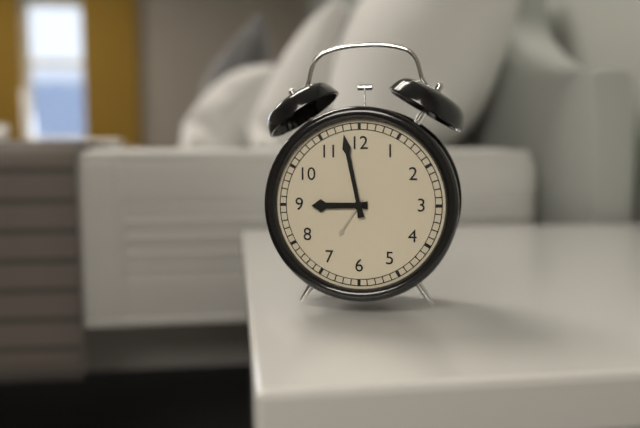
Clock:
8:58
